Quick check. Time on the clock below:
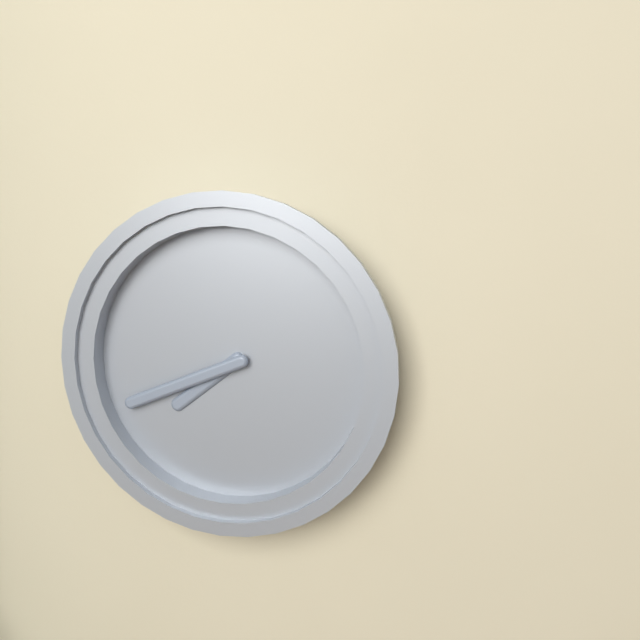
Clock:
7:41
